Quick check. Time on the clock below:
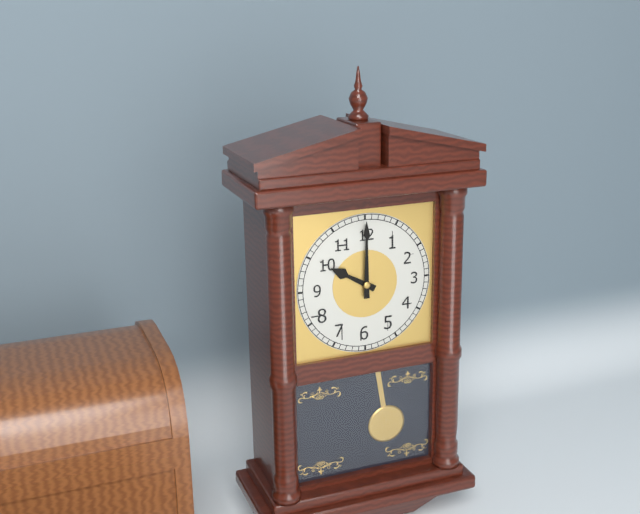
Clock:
10:00
